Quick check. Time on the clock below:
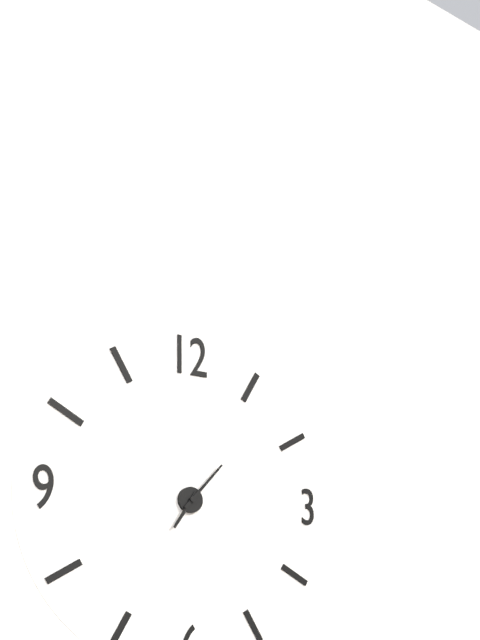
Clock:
7:07
